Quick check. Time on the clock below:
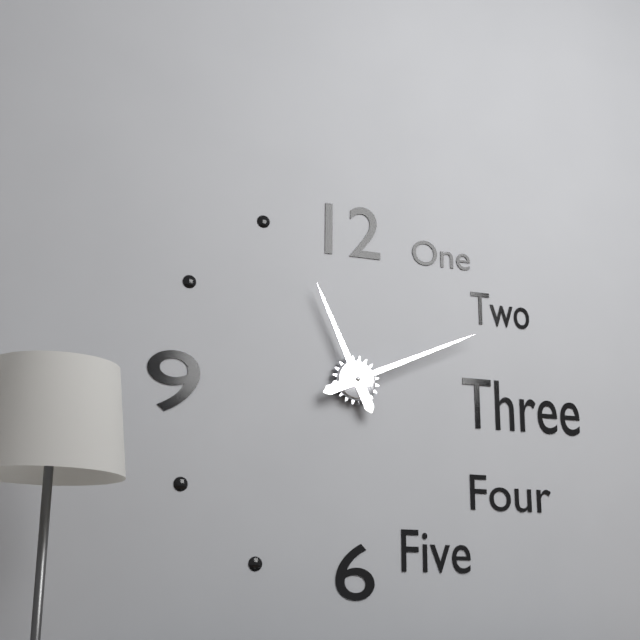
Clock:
11:11
